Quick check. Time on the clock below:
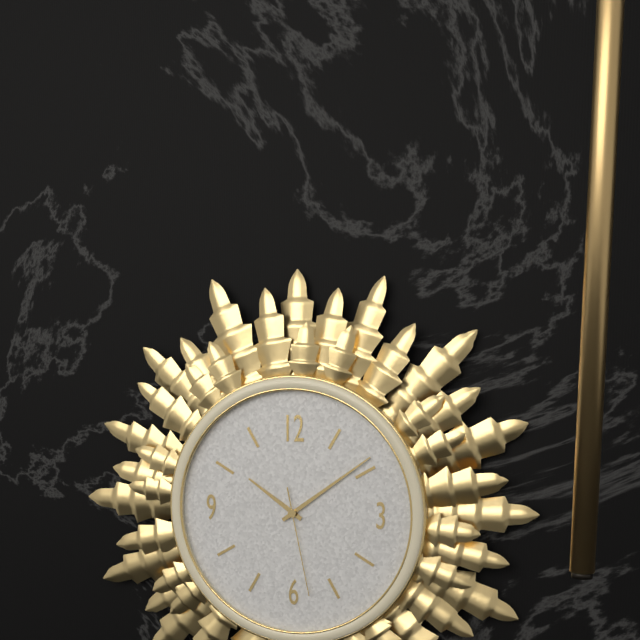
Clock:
10:09:28
